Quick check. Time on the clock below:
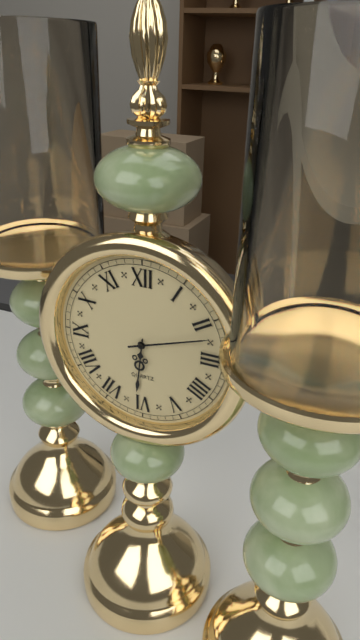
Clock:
6:12
